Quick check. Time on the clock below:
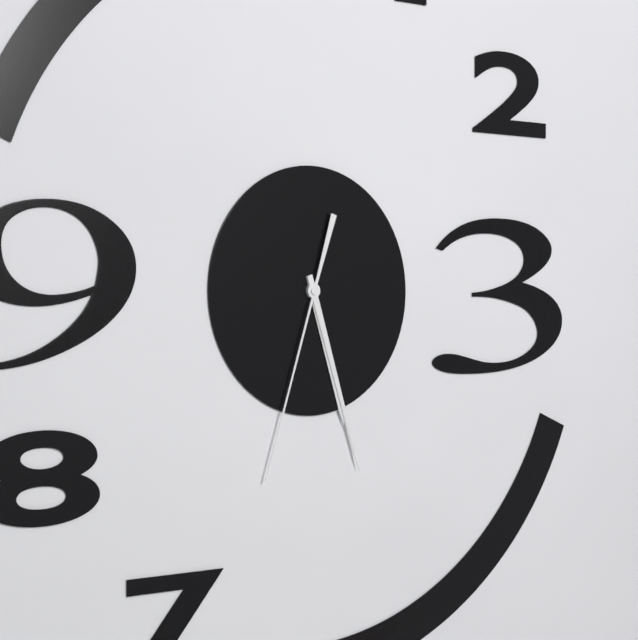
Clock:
5:27:33
